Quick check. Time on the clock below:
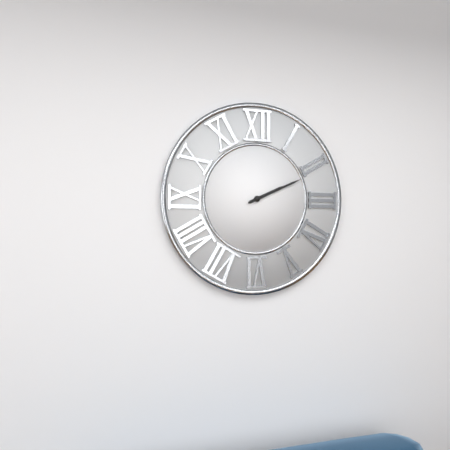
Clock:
2:11
